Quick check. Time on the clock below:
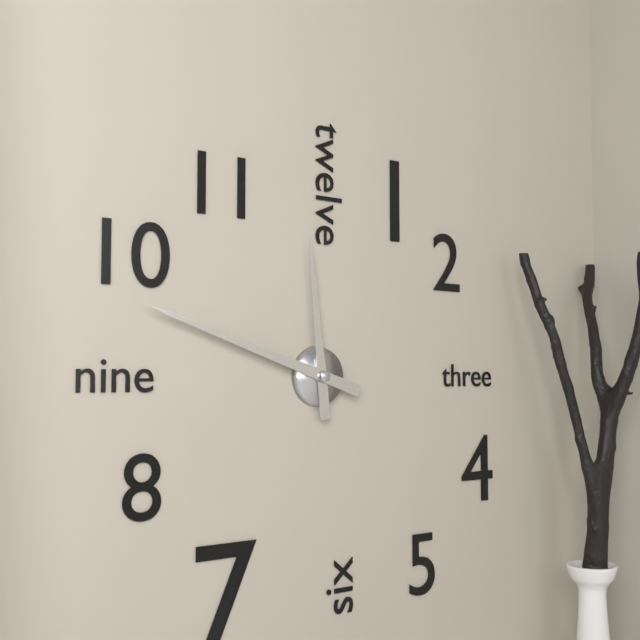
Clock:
11:48
